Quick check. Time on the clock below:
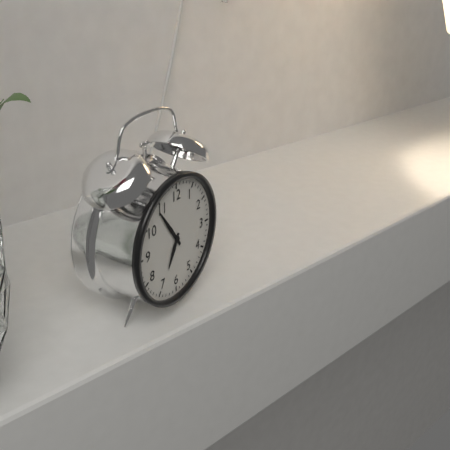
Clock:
6:54
